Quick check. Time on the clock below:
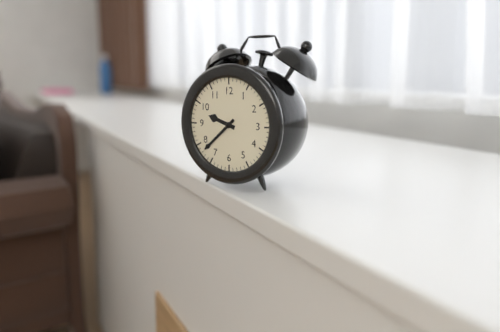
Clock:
9:38
